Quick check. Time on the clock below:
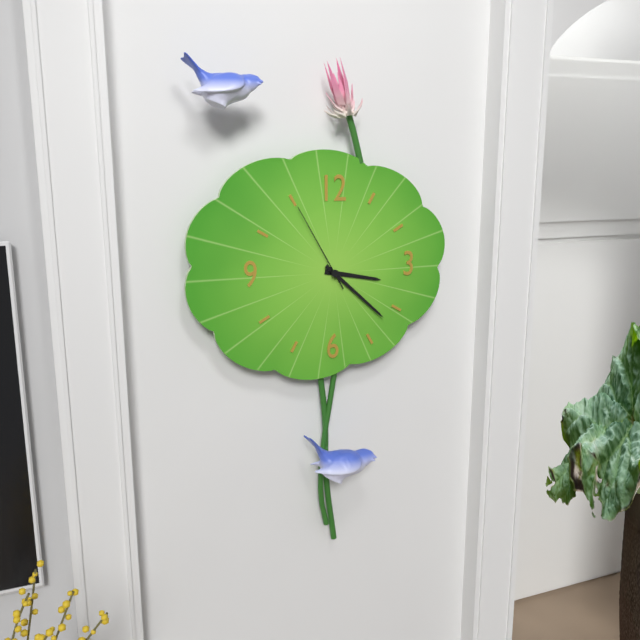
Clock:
3:22:55
